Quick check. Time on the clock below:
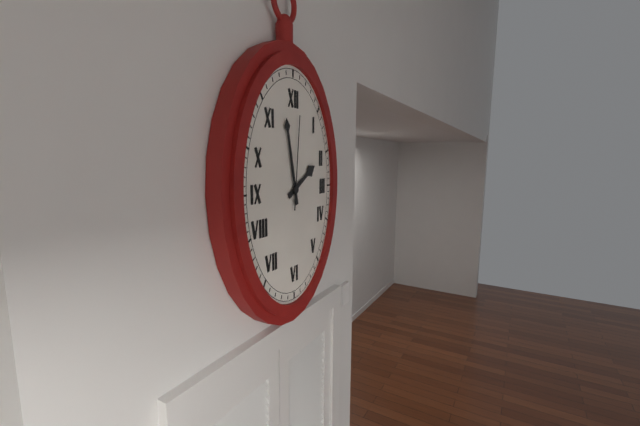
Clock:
1:58:01
